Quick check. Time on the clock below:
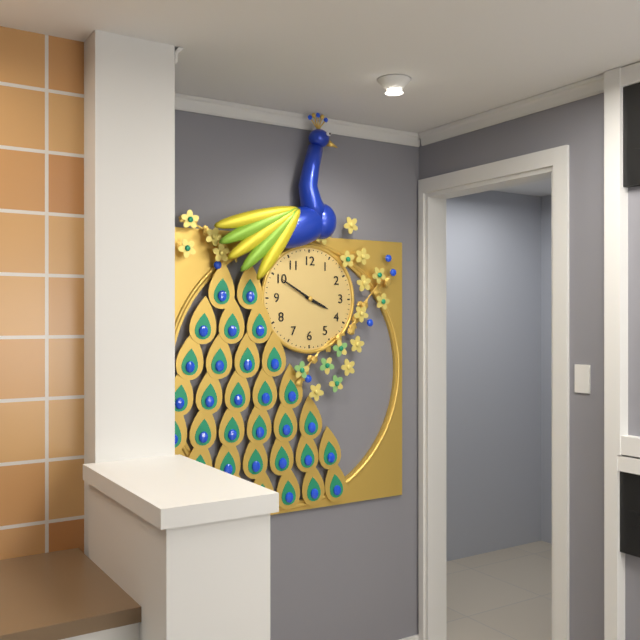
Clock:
3:50
